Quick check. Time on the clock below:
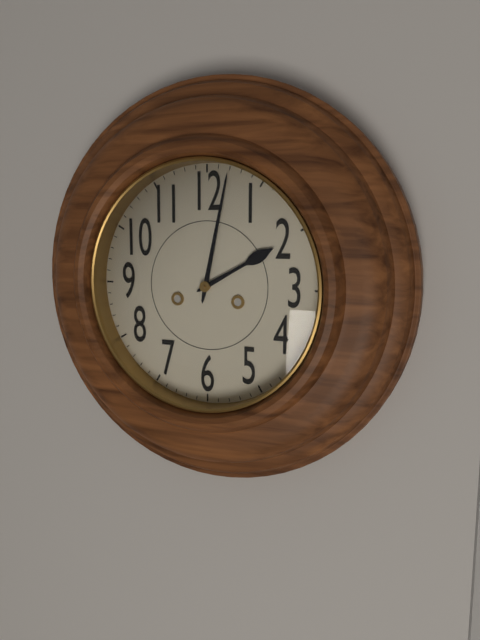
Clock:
2:02
